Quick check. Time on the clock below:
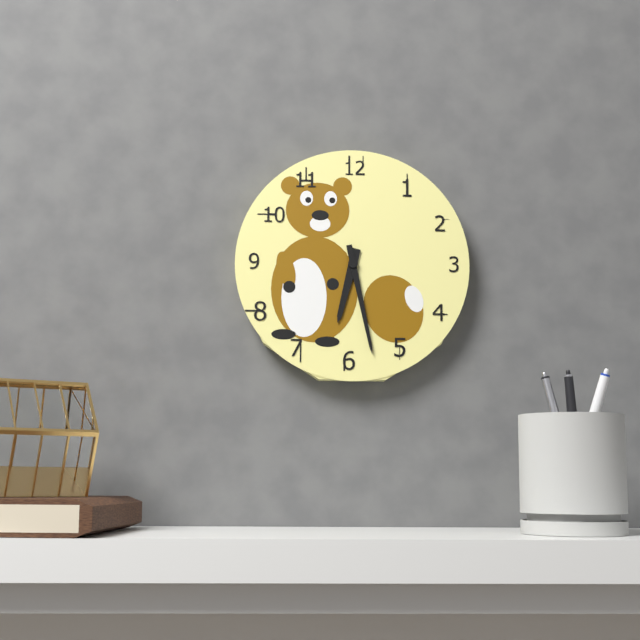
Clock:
6:28
